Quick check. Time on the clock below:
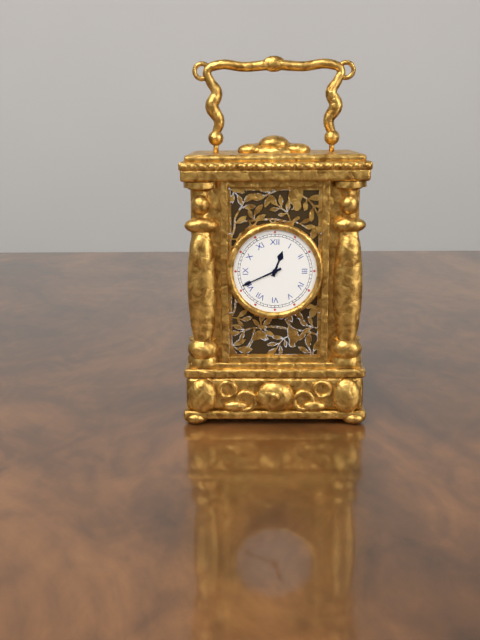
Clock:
12:41
